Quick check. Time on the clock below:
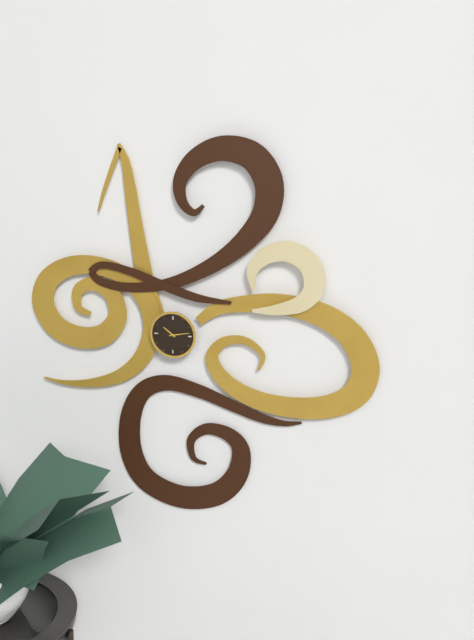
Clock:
10:13
